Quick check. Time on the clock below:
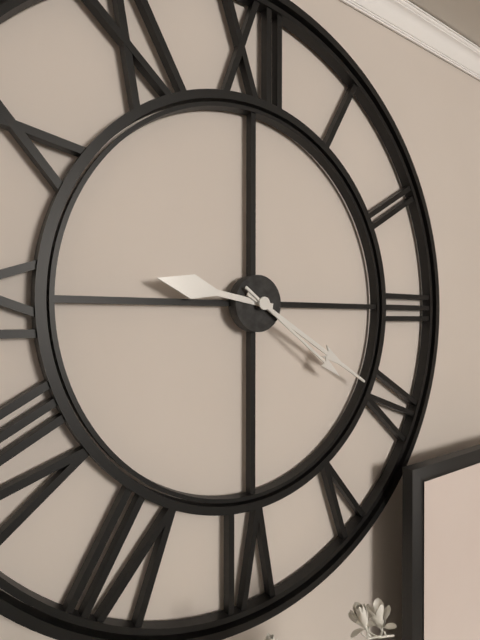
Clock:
9:20:21
